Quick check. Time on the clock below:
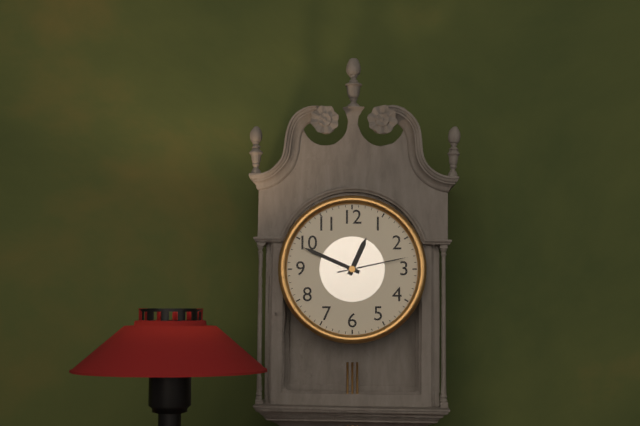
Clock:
12:49:13
